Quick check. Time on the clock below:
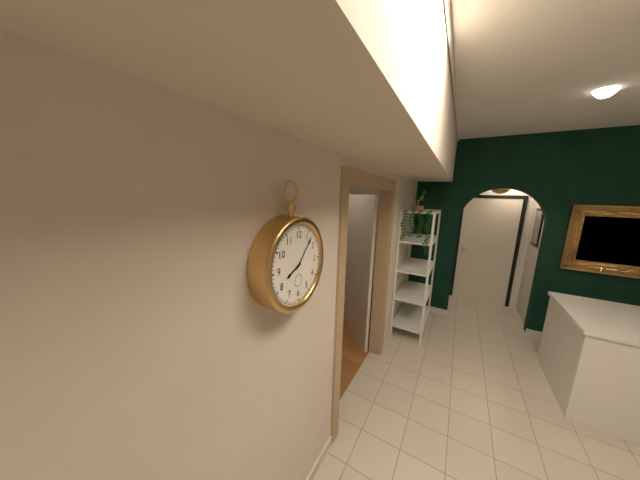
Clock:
8:07
